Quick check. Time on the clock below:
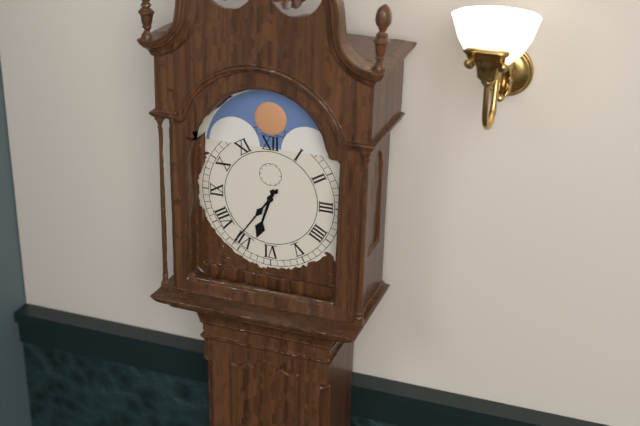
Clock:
6:36
